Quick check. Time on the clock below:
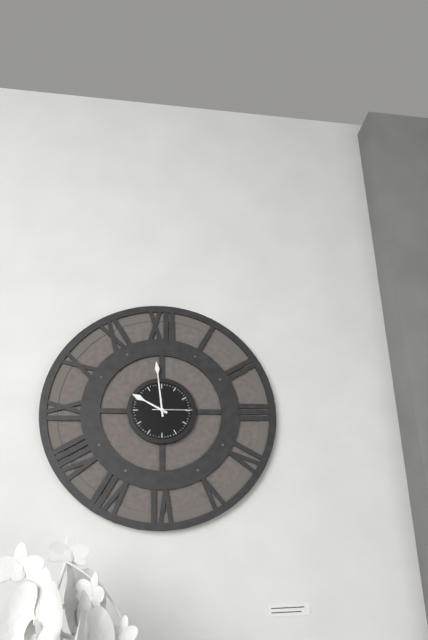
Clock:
9:59
